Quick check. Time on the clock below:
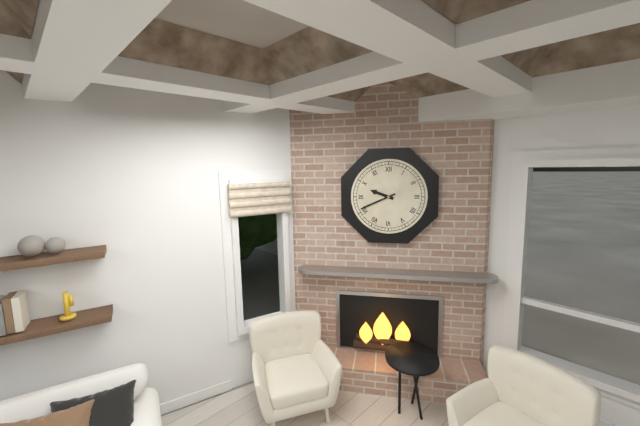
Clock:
9:41
